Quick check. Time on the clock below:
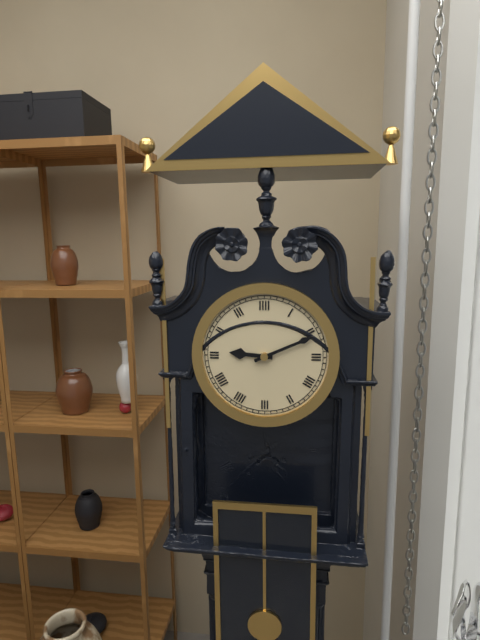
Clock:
9:11
